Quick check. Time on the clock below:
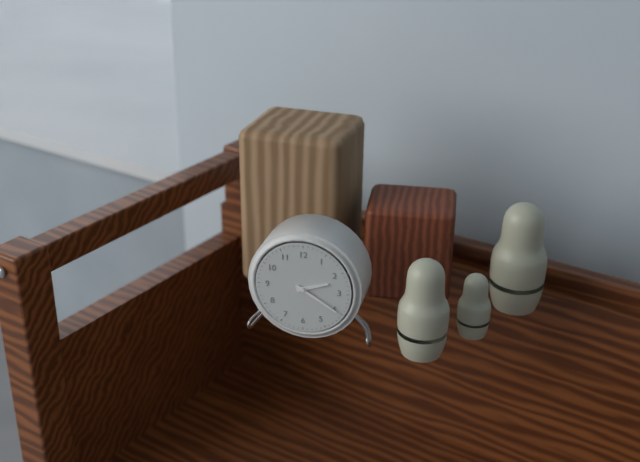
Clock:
2:20
